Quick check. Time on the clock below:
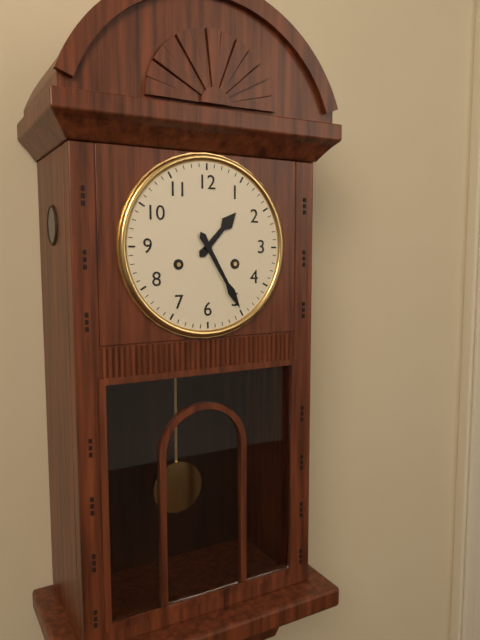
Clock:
1:25
